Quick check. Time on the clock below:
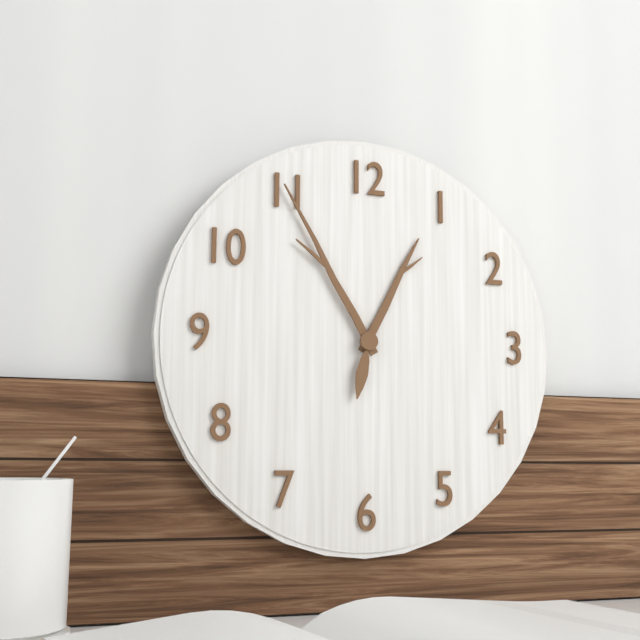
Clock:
12:55:32
